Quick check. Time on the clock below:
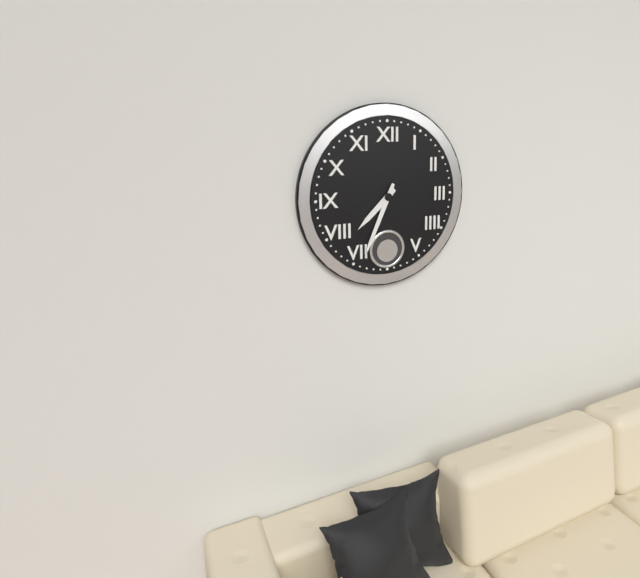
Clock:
7:34
